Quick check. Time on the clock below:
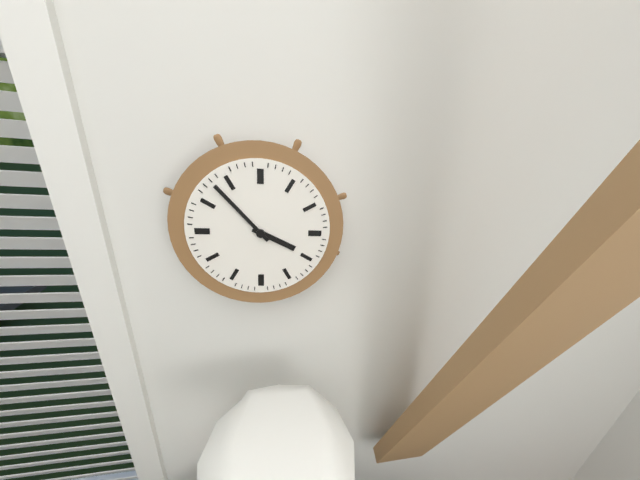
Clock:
3:53
